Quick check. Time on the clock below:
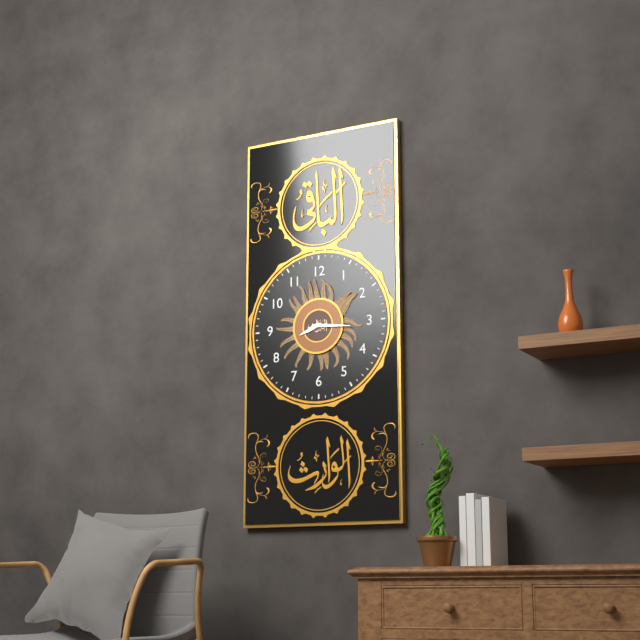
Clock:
8:16
